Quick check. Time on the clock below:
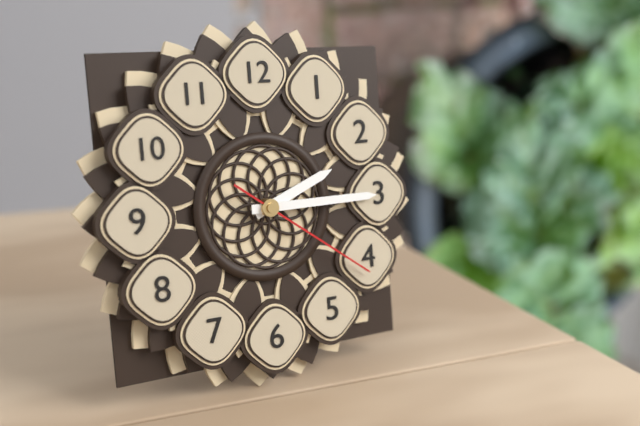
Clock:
2:15:21
